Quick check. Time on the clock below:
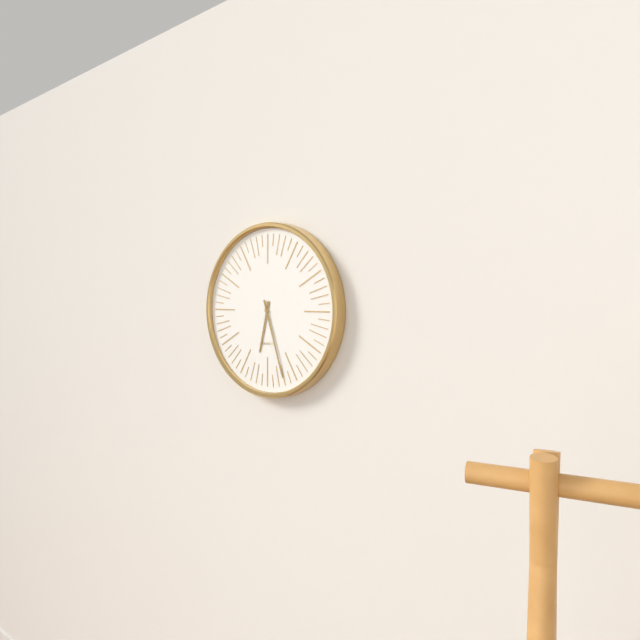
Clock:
6:27
